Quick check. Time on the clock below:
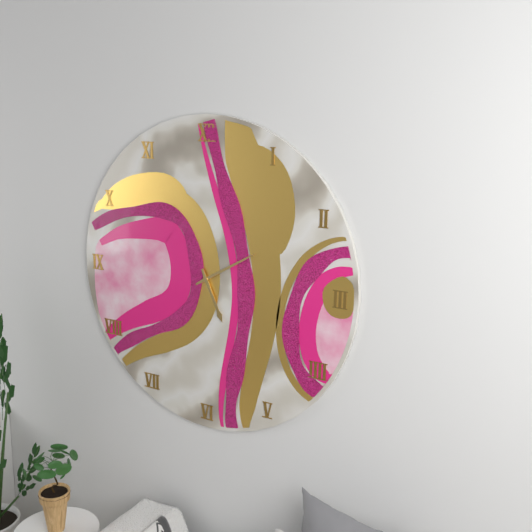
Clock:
5:10
